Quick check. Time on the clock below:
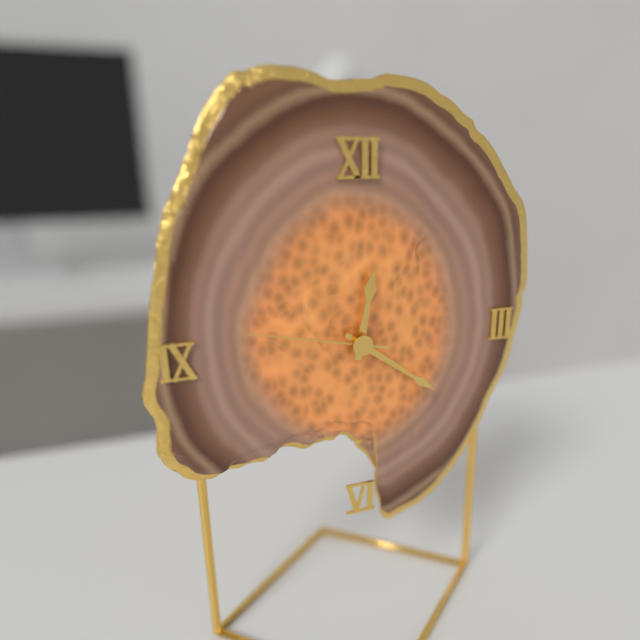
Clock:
12:21:47
